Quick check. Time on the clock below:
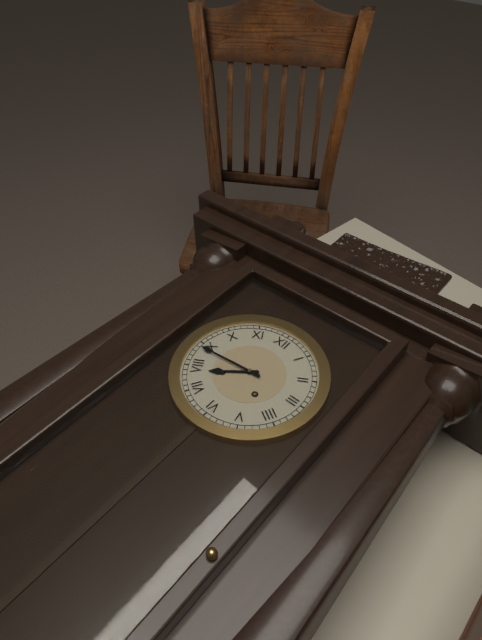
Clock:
7:44
